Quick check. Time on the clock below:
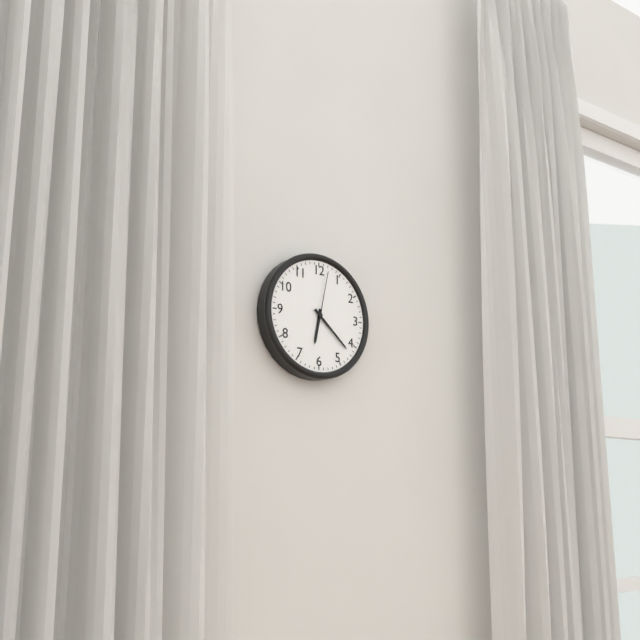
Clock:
6:22:02
